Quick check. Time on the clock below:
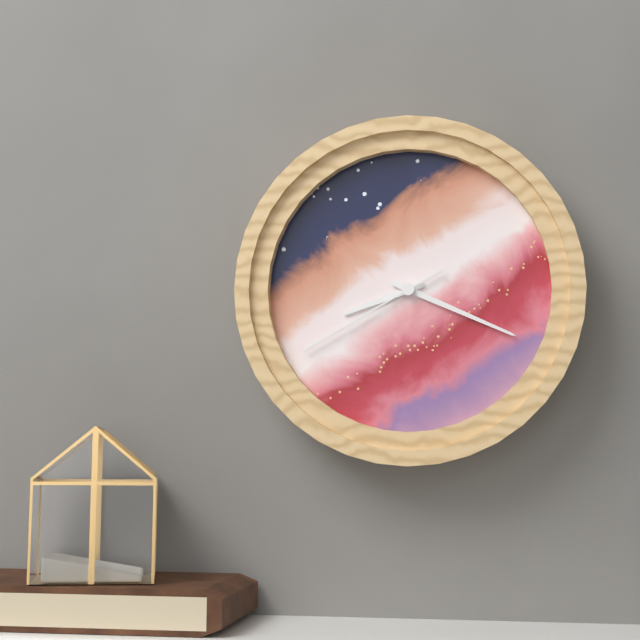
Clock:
8:19:40
